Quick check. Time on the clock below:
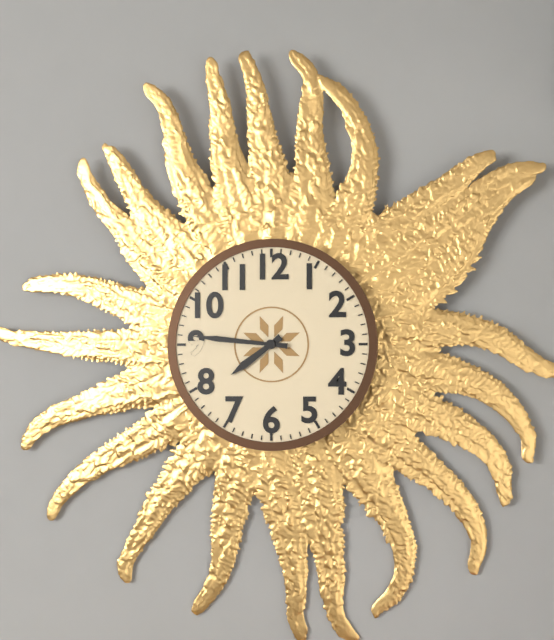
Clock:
7:46
